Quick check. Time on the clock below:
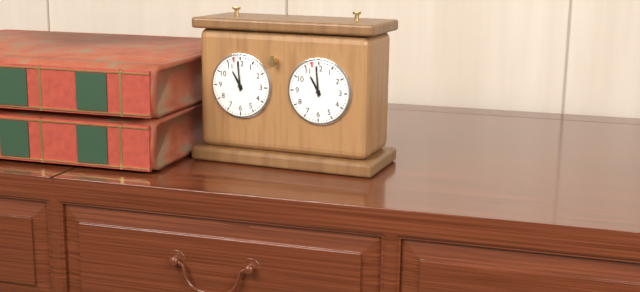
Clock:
10:59
